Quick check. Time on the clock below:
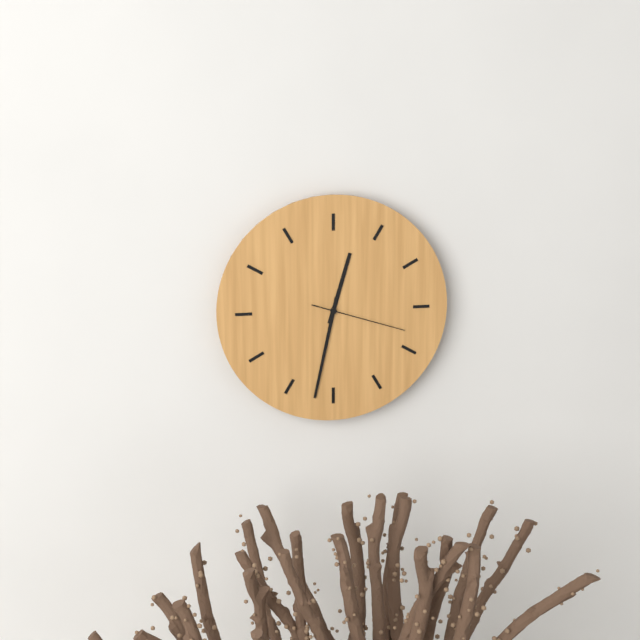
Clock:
12:32:18
